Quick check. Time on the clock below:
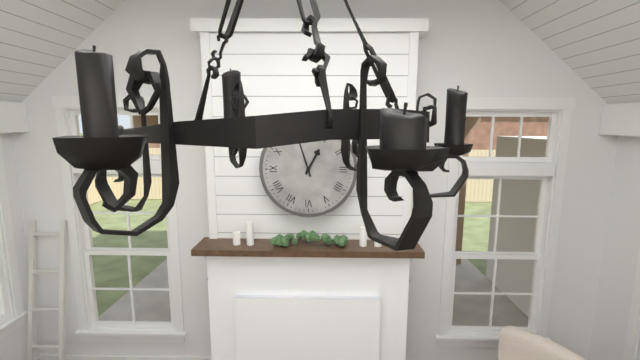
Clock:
12:57
